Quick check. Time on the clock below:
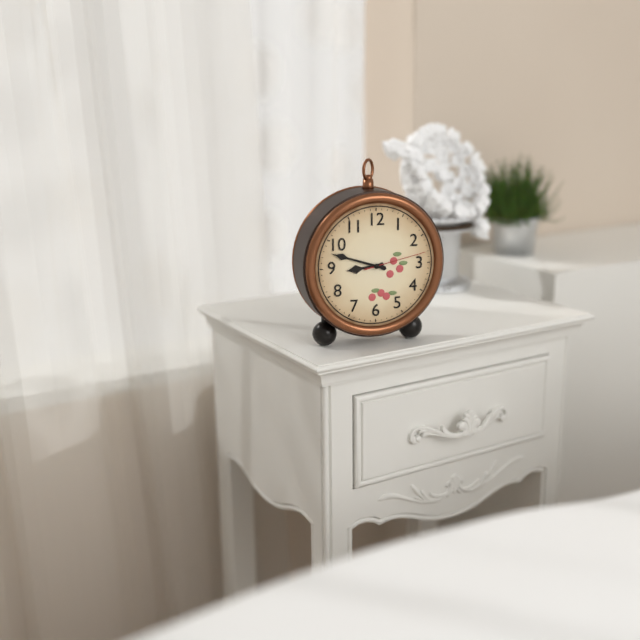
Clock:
8:48:13
